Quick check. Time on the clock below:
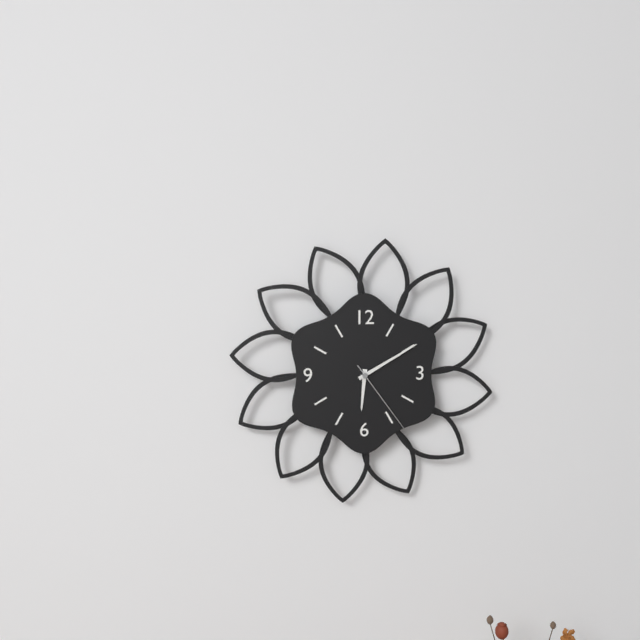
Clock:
6:10:24
